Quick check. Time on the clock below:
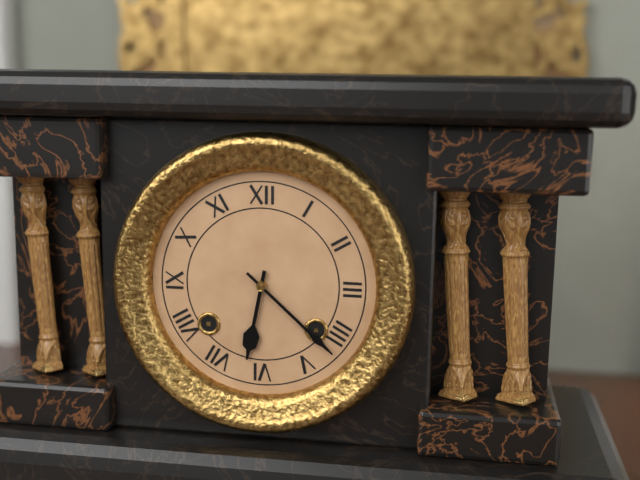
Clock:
6:22
